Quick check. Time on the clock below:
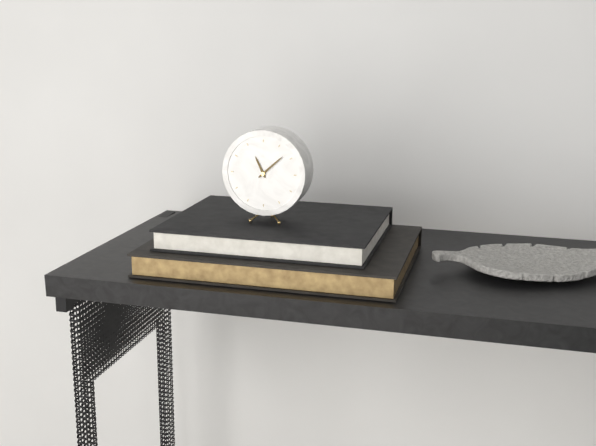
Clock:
11:08
